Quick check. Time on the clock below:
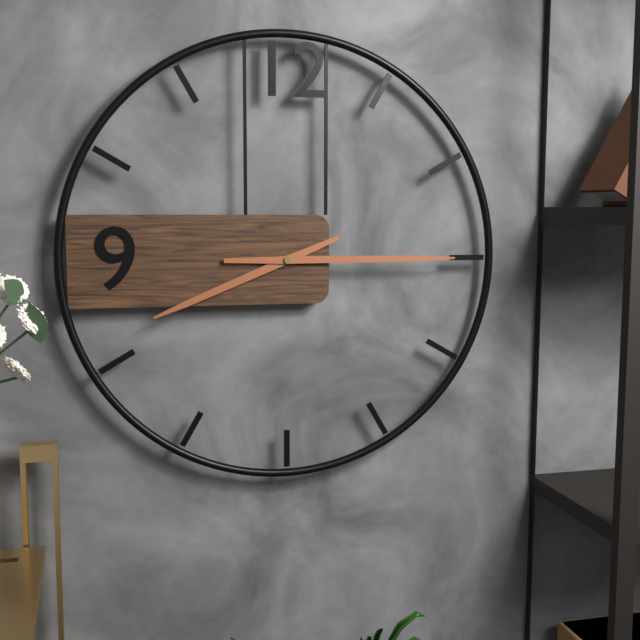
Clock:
8:15
